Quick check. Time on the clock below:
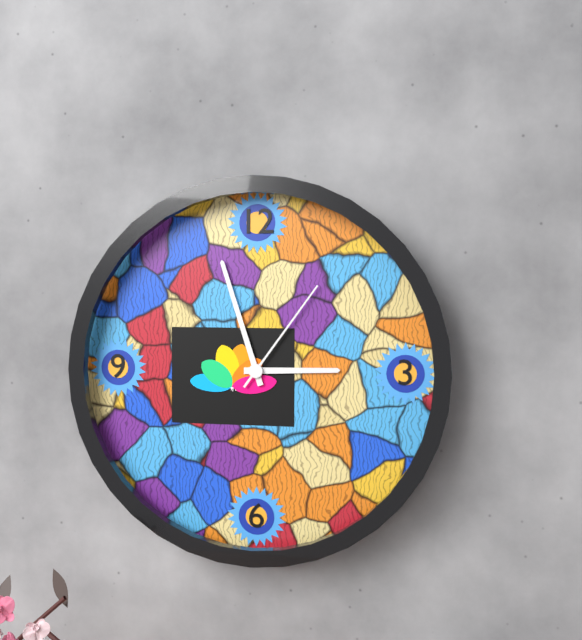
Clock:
2:57:06
